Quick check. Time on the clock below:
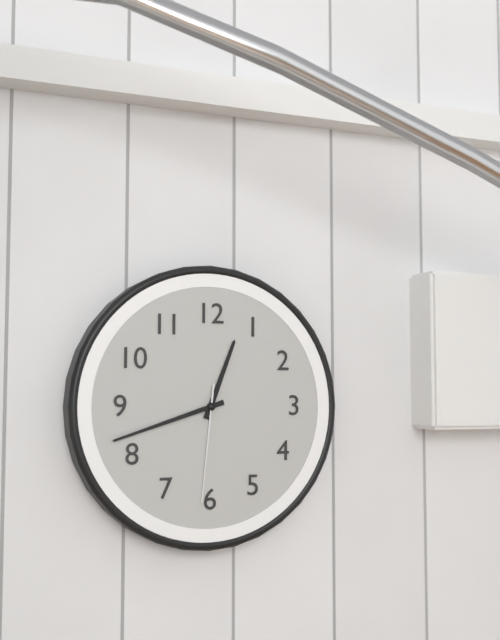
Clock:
12:42:31
